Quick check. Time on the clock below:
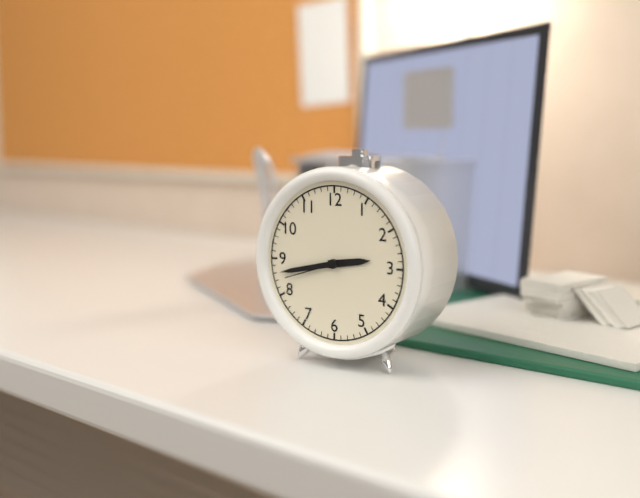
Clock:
2:43:42
